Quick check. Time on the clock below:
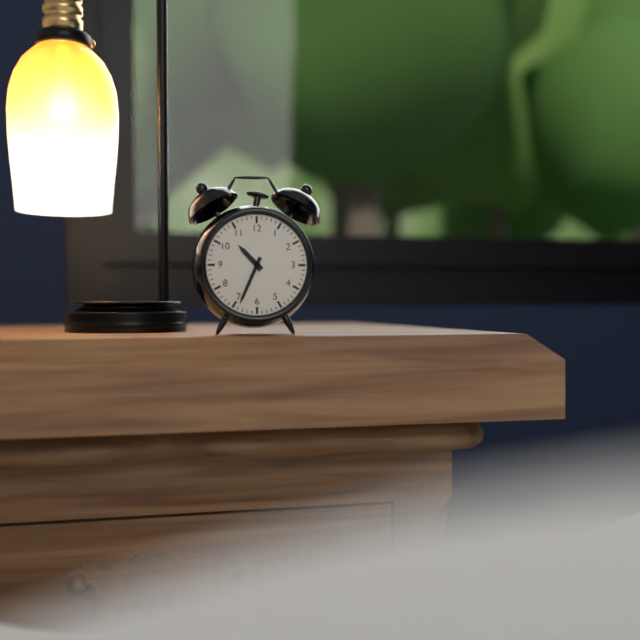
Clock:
10:34
